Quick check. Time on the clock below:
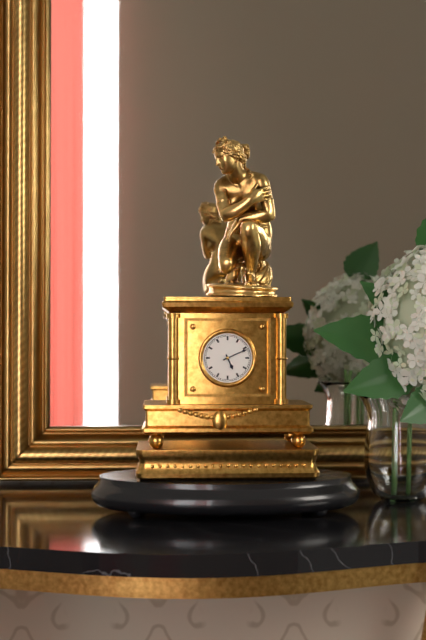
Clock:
5:11
